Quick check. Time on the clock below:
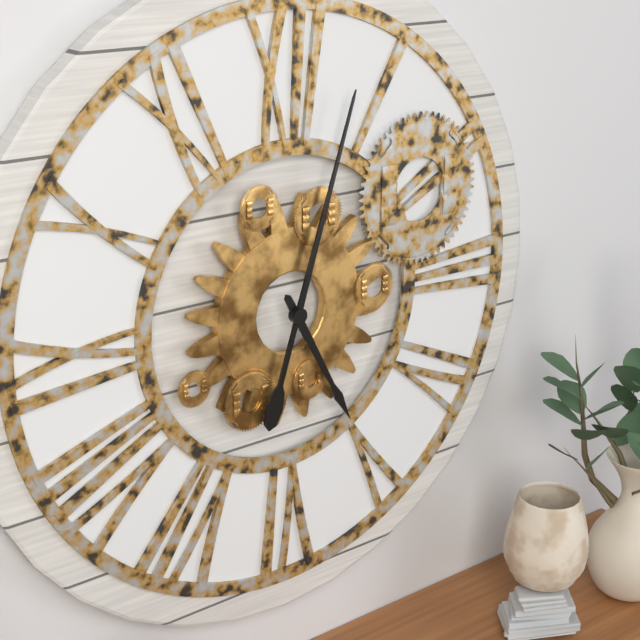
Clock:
5:03
